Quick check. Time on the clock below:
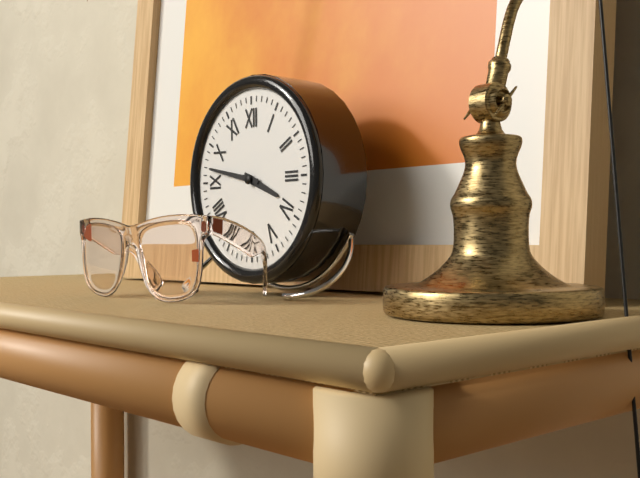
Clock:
3:47
